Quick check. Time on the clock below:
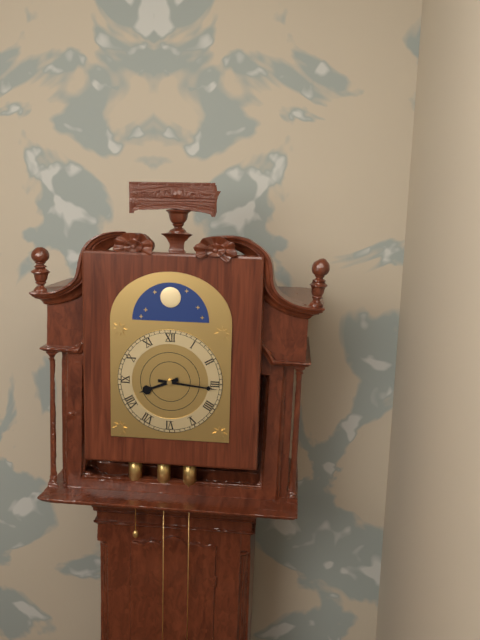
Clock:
8:16
